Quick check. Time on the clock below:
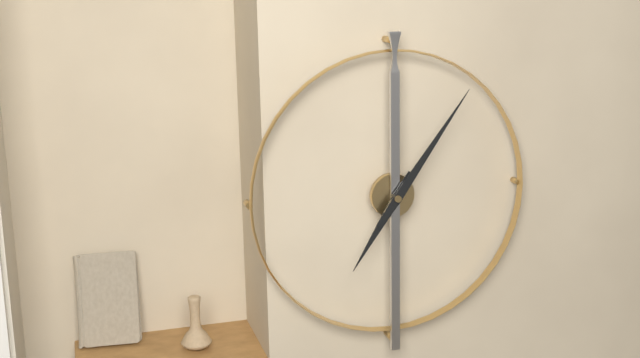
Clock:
7:06
